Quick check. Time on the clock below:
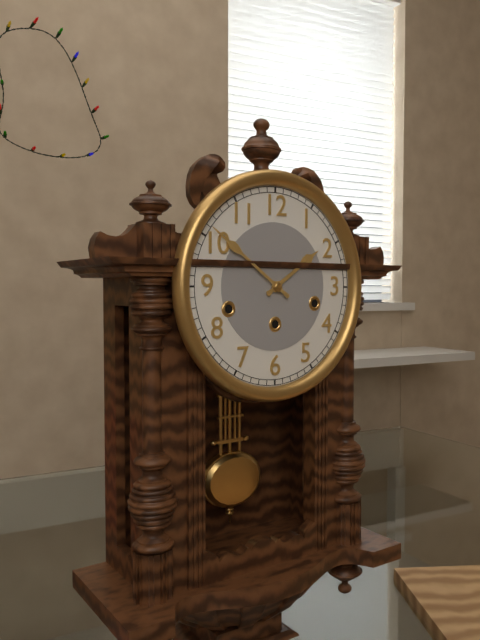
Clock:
1:51
